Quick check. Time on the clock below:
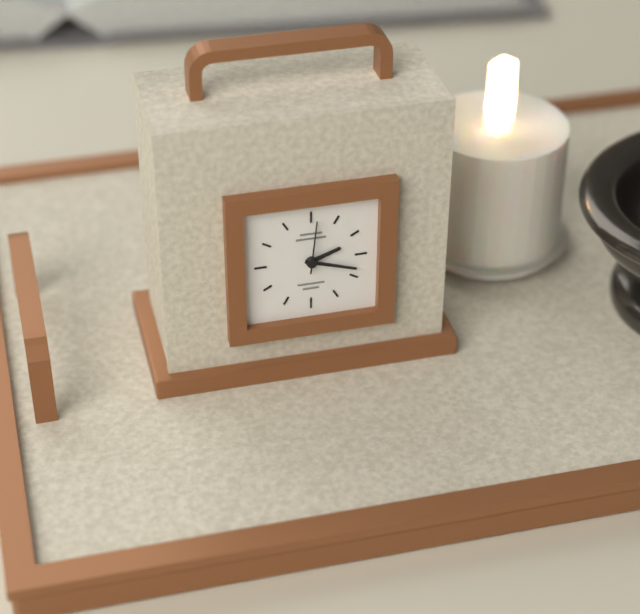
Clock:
2:18
